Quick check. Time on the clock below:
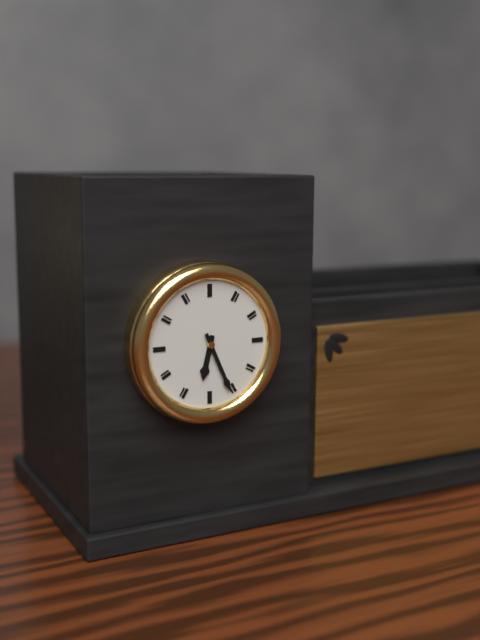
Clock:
6:26
